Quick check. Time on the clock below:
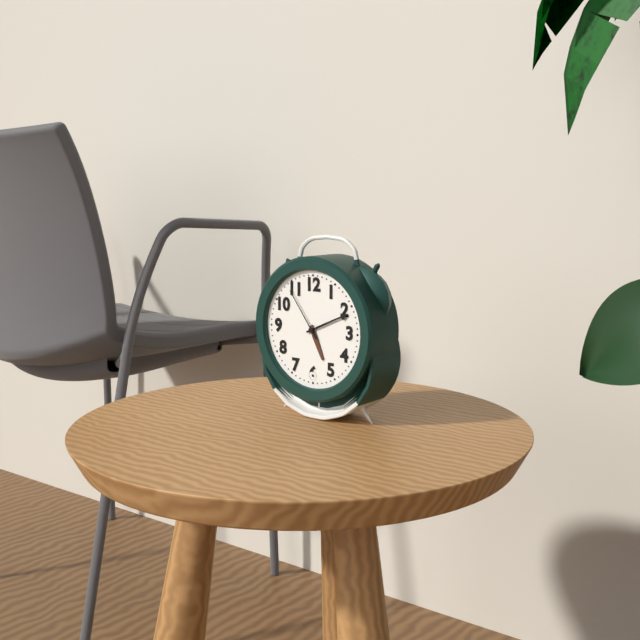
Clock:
5:11:54
